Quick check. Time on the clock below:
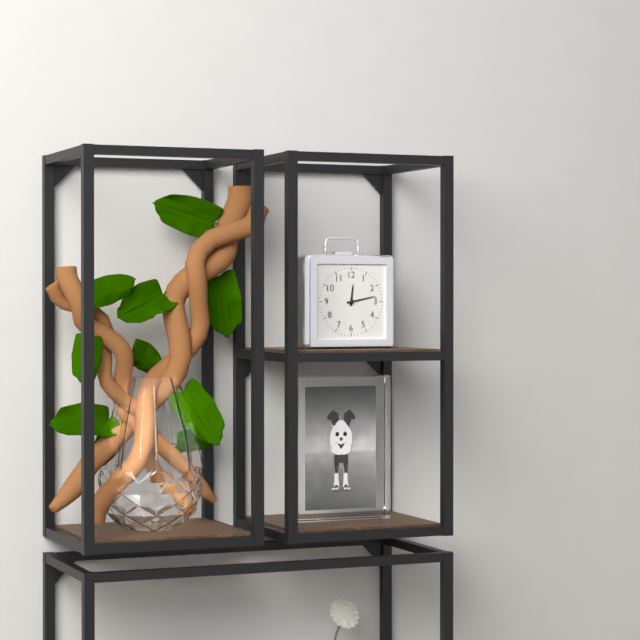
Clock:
12:13
